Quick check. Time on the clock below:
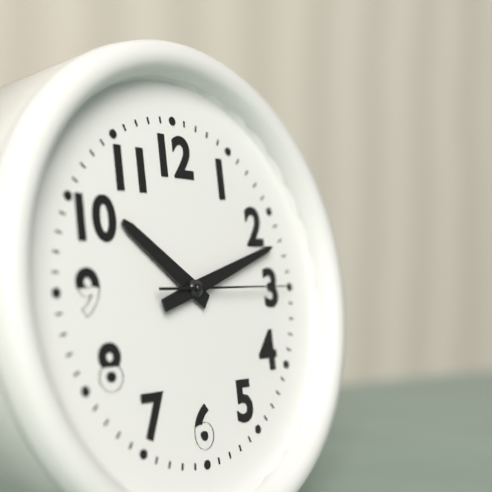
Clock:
10:12:15
